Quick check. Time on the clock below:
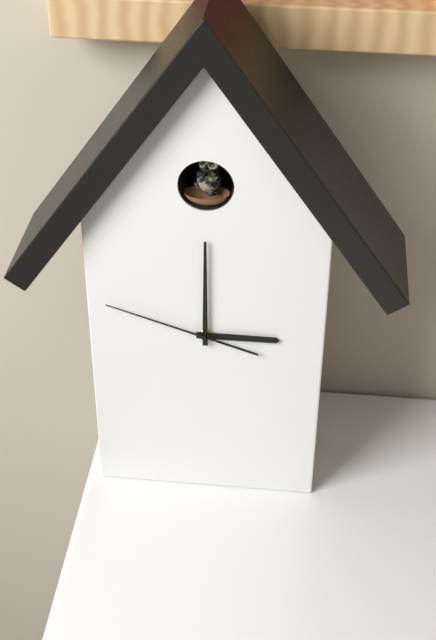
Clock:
3:00:48
